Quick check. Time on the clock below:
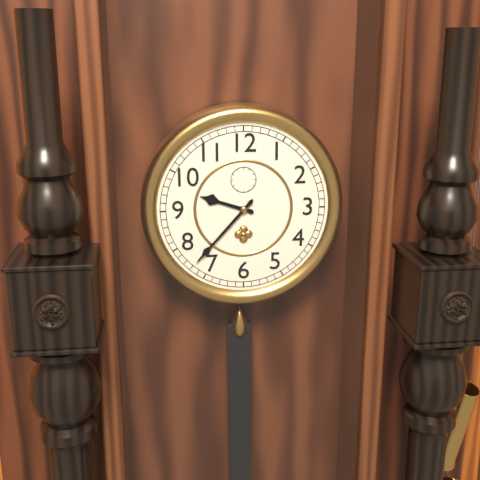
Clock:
9:37
